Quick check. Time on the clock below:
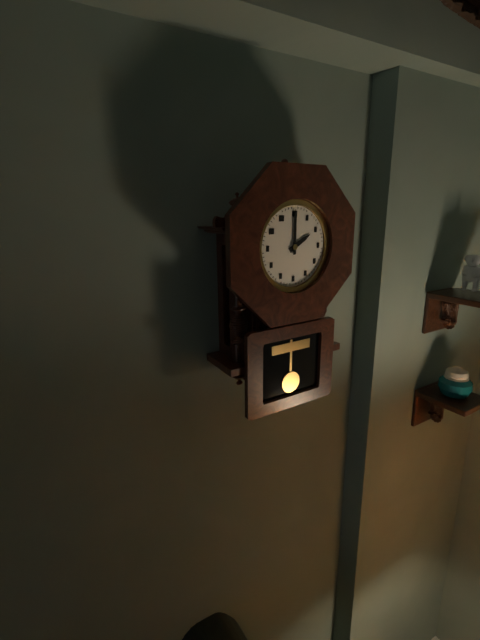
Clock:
2:00
